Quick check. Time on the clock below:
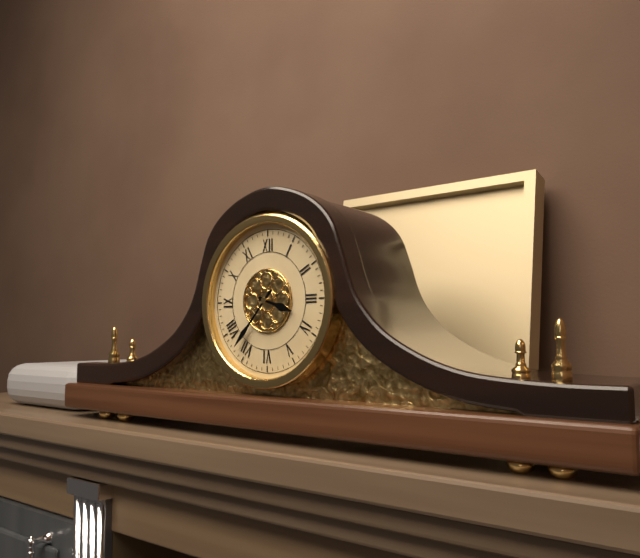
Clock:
3:37
